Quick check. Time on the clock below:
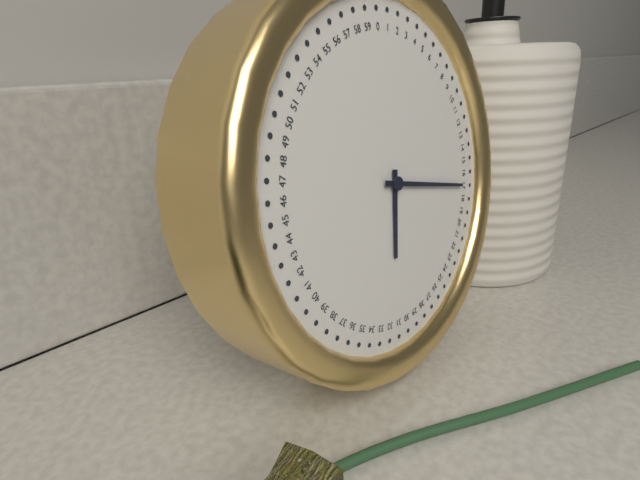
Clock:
6:17
